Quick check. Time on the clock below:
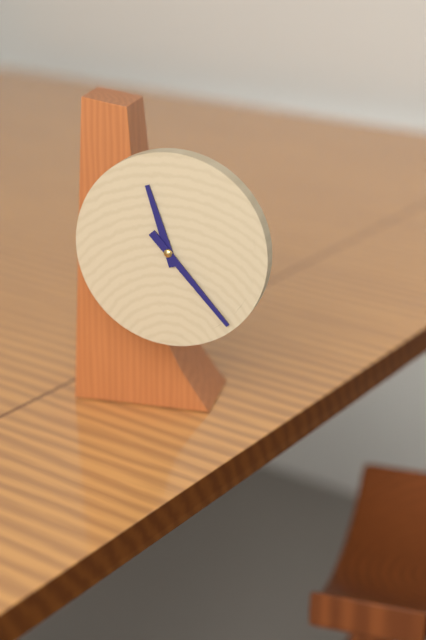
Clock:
11:23
